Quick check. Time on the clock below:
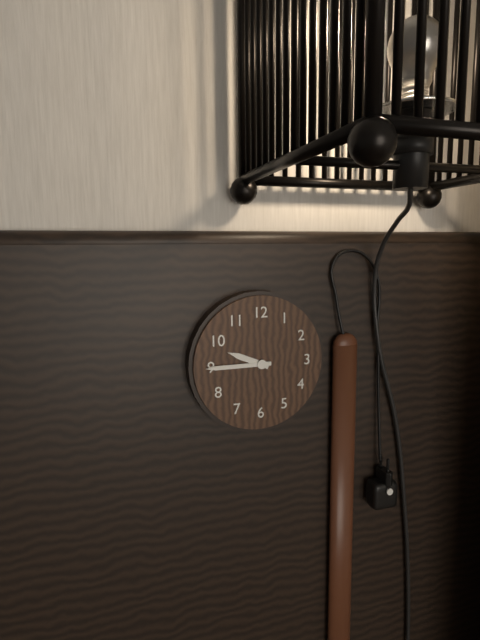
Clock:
9:45
